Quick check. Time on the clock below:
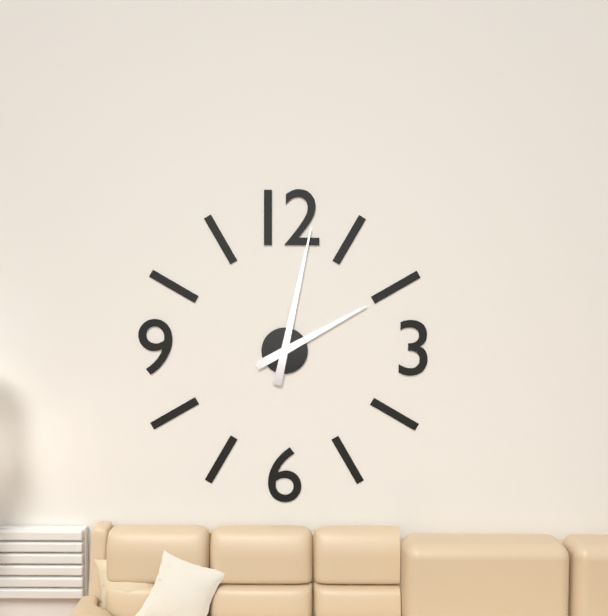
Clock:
2:02
